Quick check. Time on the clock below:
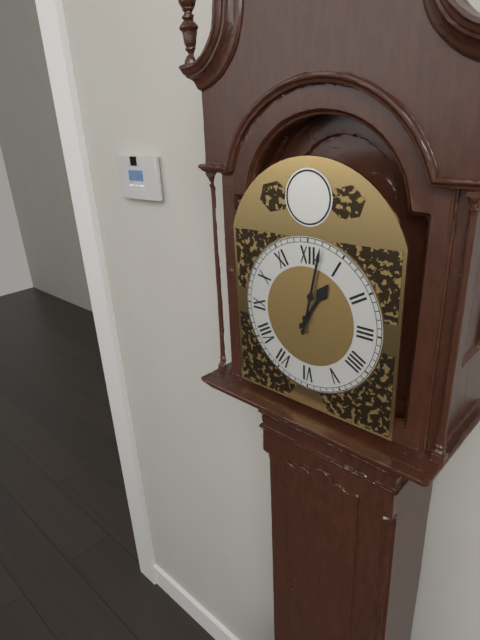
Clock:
1:02
